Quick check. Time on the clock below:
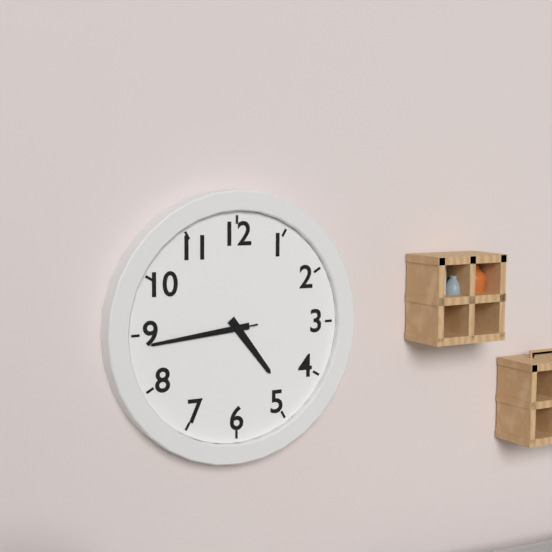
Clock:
4:44:44
